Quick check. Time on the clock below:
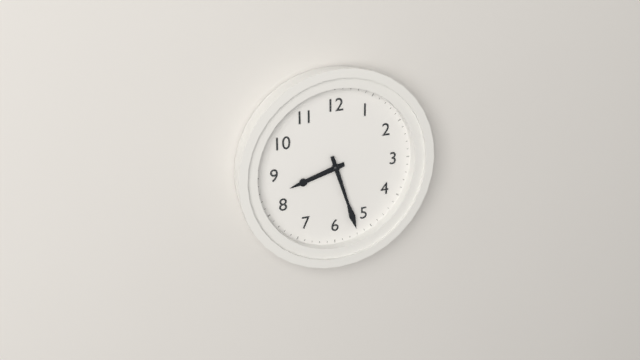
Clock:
8:27
